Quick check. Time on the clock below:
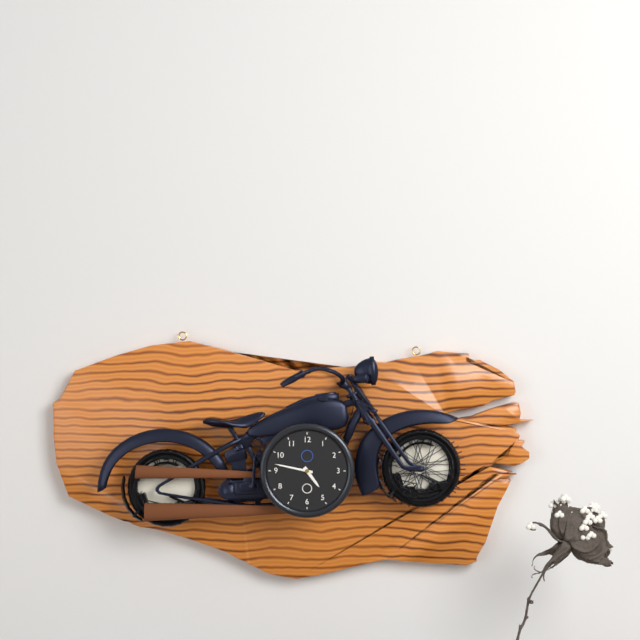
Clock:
4:47
